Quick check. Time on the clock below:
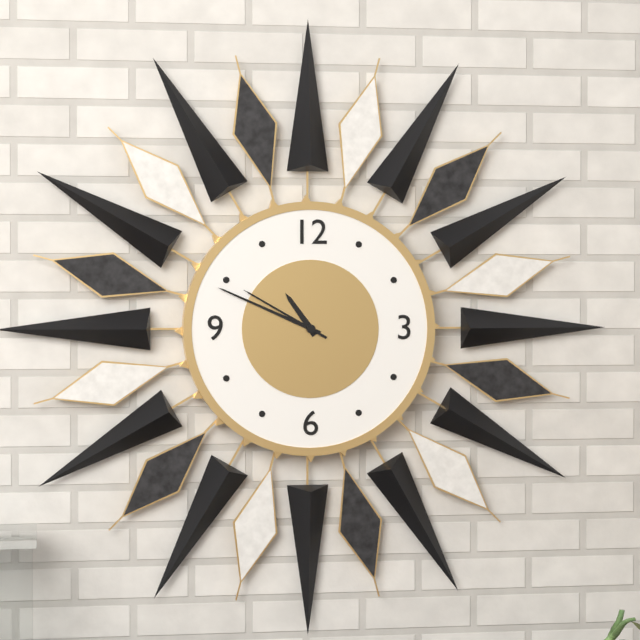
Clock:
10:49:50
